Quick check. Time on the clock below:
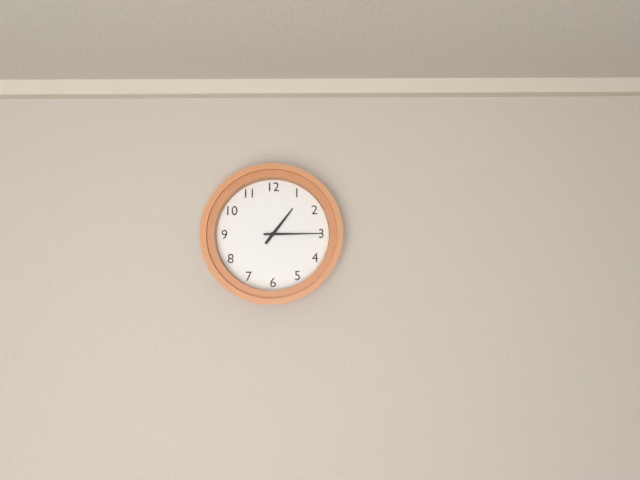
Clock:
1:15
